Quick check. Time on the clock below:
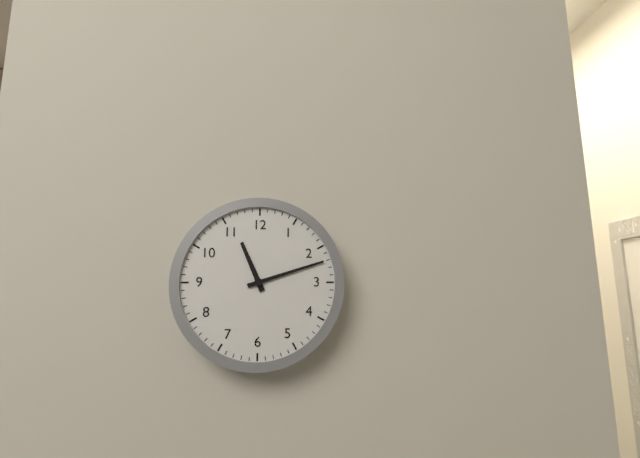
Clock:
11:12
